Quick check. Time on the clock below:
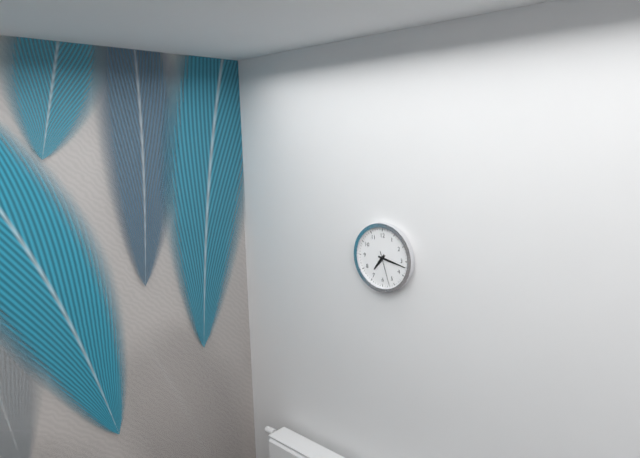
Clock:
7:17
